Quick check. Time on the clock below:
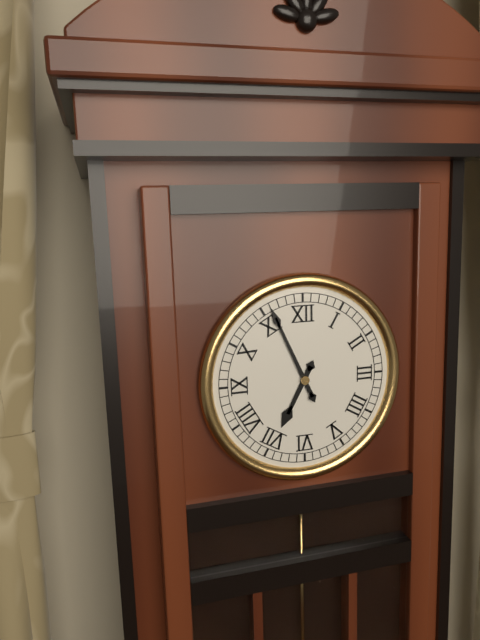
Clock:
6:56
